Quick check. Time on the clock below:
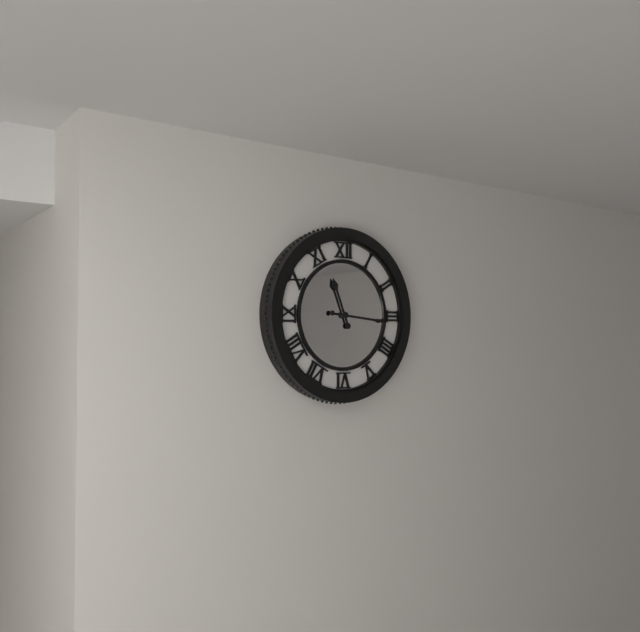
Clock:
11:16
